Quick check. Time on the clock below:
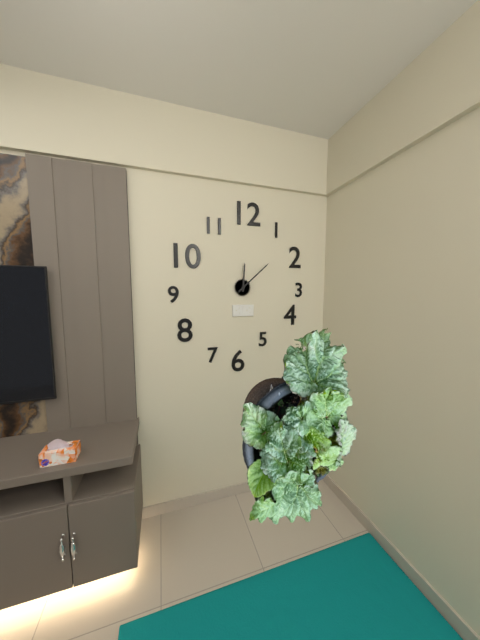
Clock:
12:08
